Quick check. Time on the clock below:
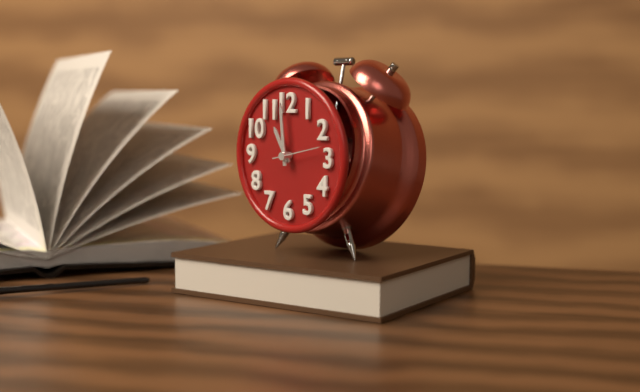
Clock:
10:59:13
